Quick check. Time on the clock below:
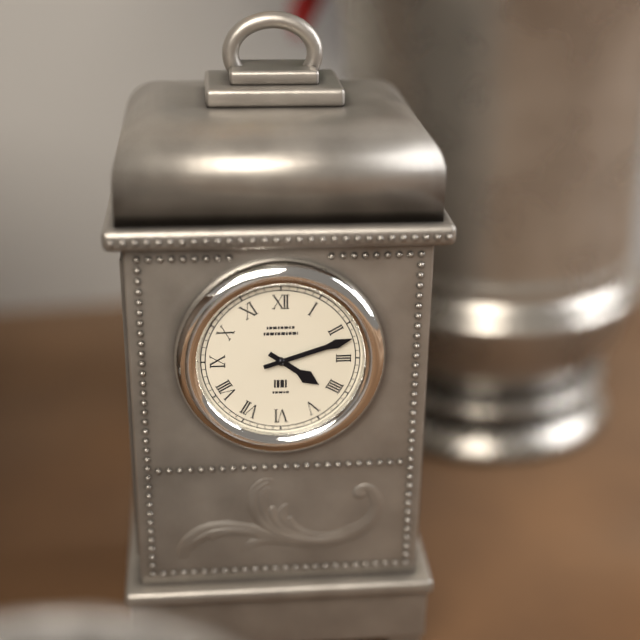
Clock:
4:12
